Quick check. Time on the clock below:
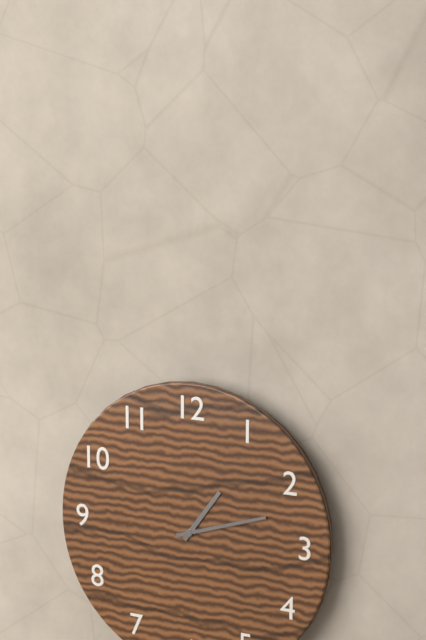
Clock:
1:12
